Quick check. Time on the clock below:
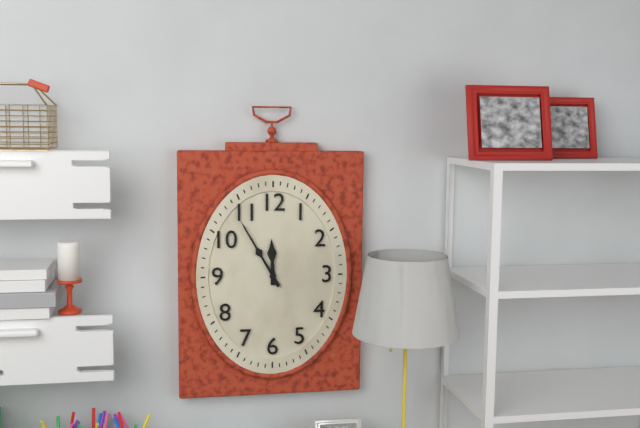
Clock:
11:55
